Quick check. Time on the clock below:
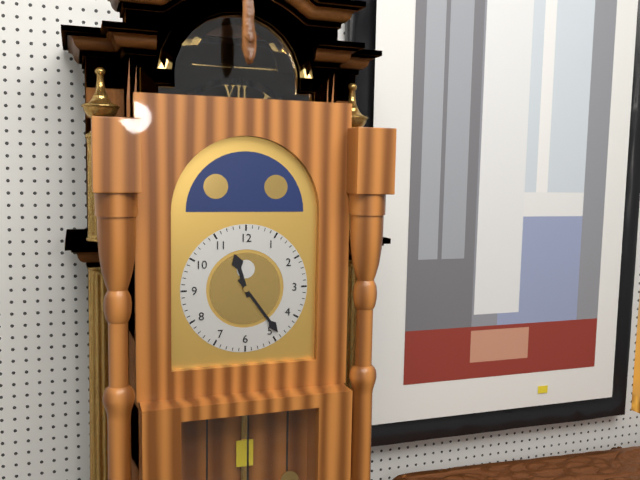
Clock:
11:24
